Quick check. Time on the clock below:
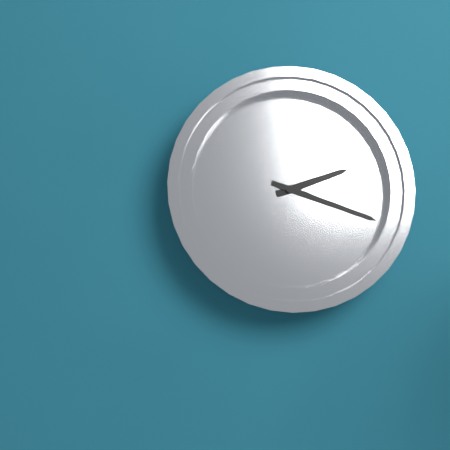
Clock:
2:18
